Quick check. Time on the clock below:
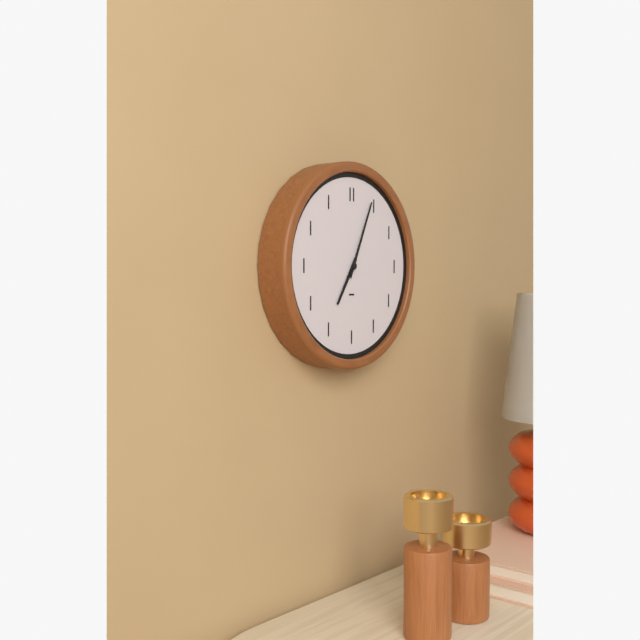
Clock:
7:04
